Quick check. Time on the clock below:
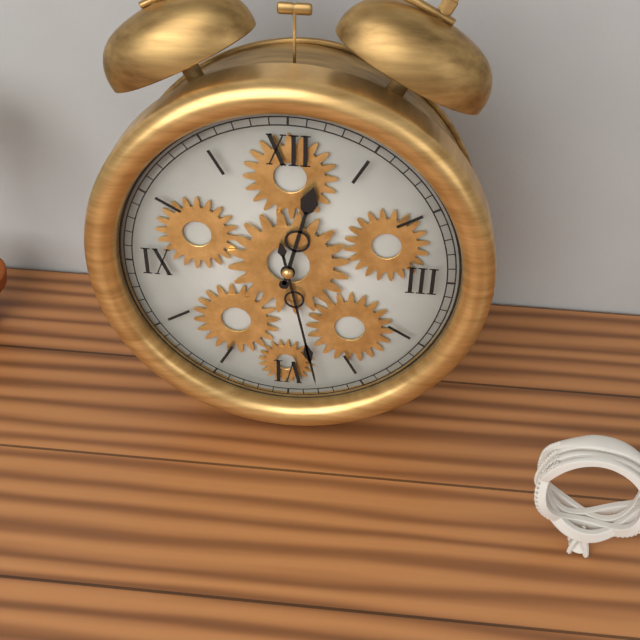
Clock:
12:28
